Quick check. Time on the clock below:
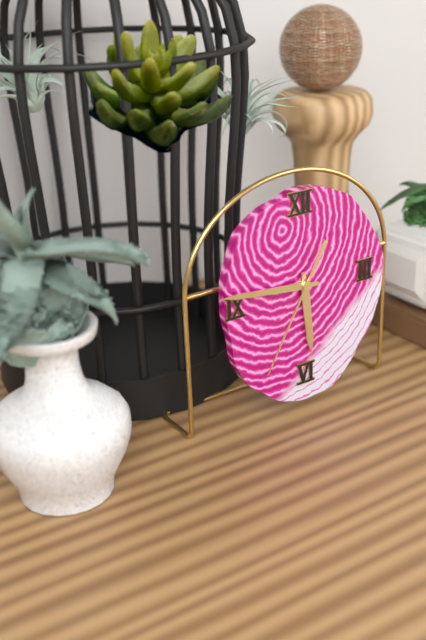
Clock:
5:46:35
